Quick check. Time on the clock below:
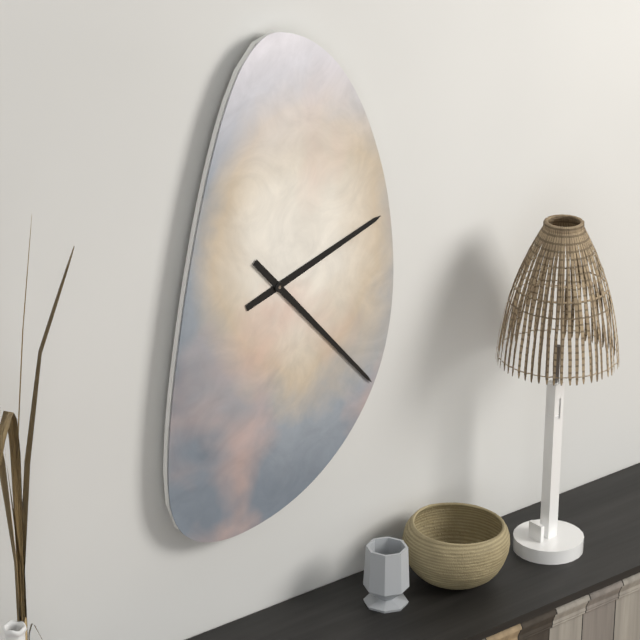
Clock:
2:23
